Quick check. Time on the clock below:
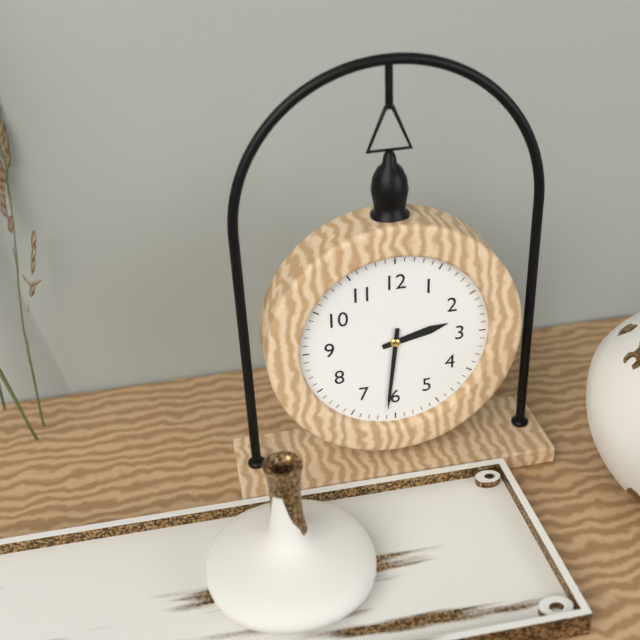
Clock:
2:31
